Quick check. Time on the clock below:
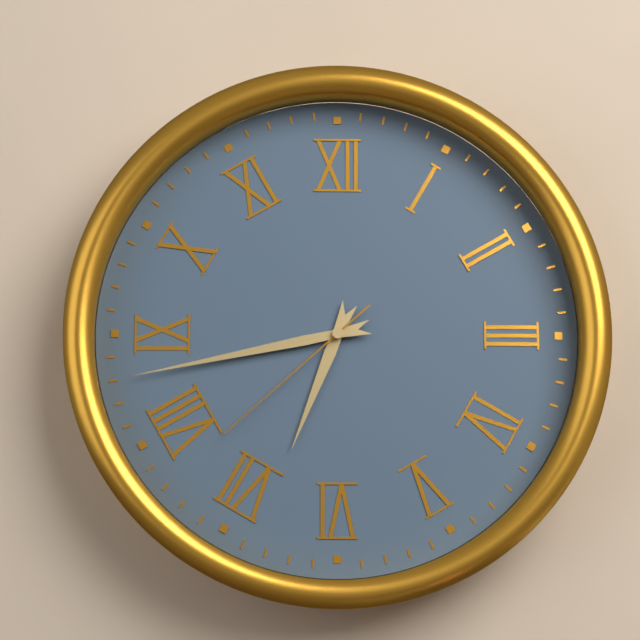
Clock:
6:43:38
